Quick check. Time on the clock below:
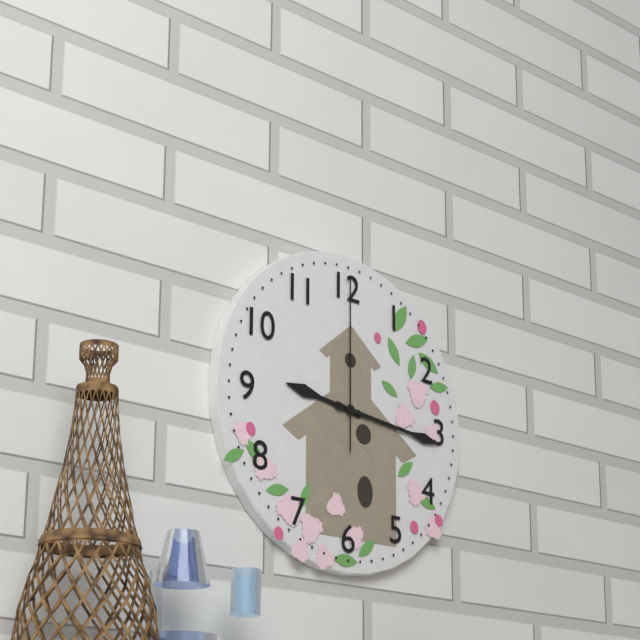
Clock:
9:16:00
